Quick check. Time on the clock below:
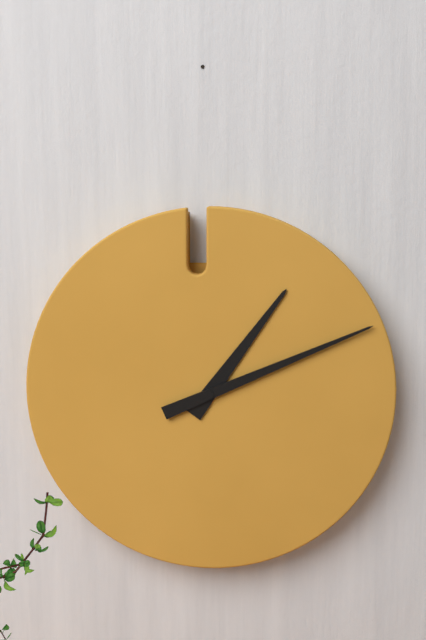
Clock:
1:11
